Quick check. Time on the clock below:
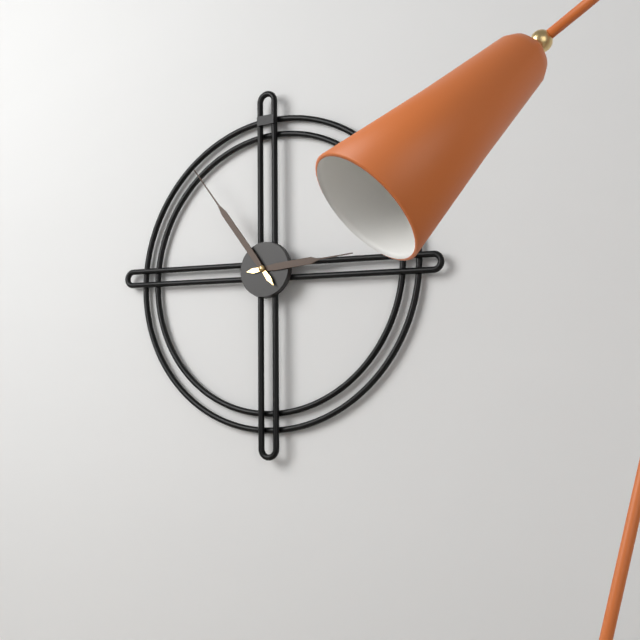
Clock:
2:54
